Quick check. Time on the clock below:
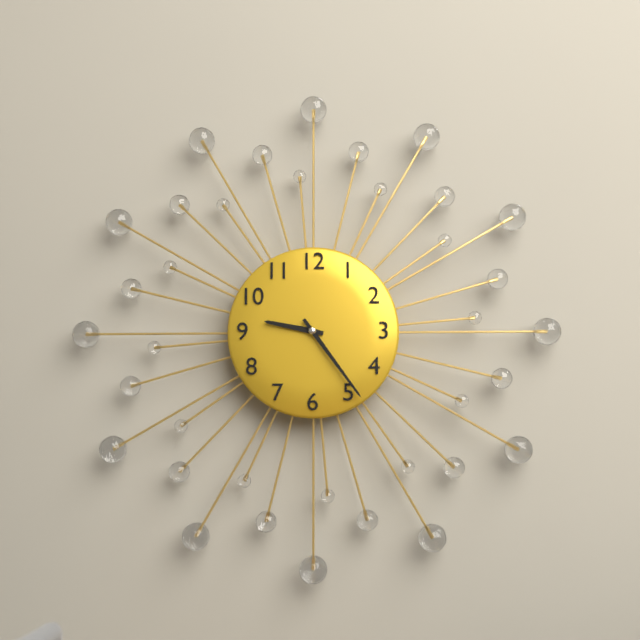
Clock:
9:24
